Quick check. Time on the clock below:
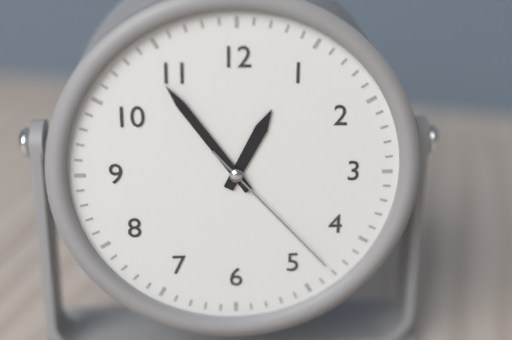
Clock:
12:54:23
